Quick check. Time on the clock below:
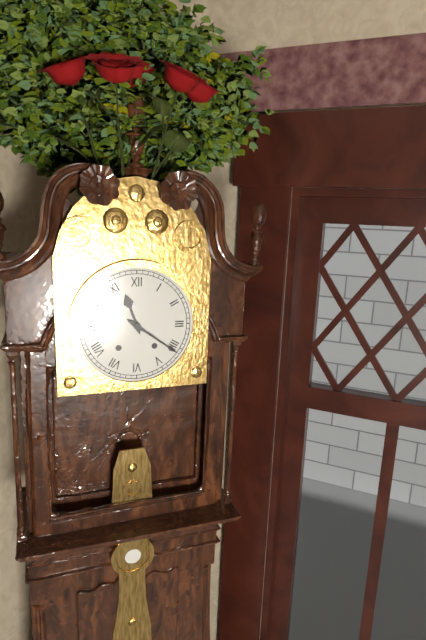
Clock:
11:21
